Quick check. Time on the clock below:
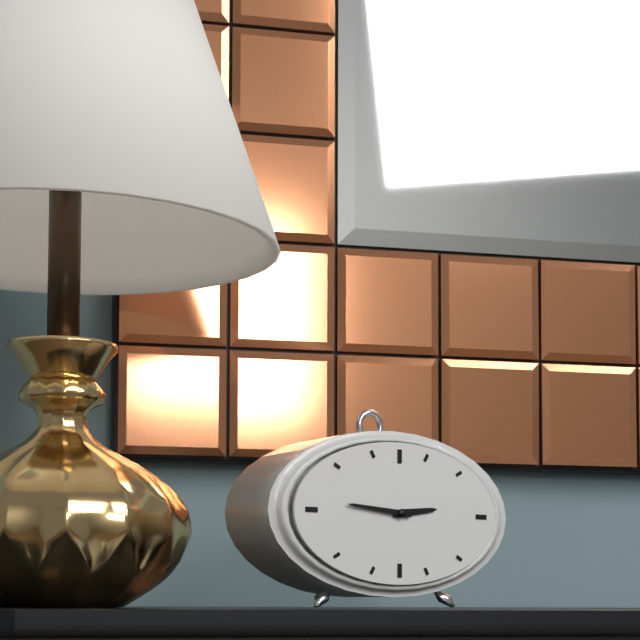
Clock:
2:46
